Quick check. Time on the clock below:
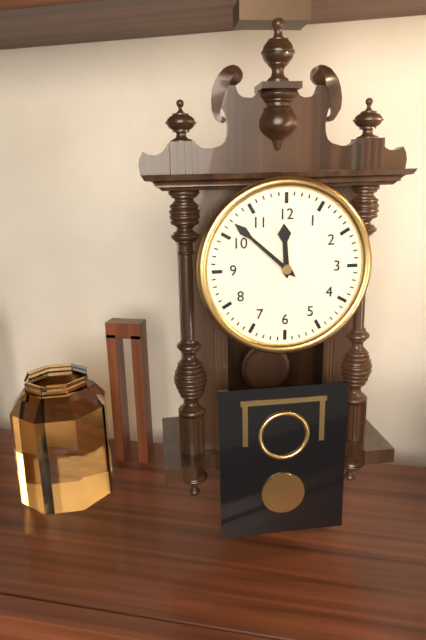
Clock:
11:52
